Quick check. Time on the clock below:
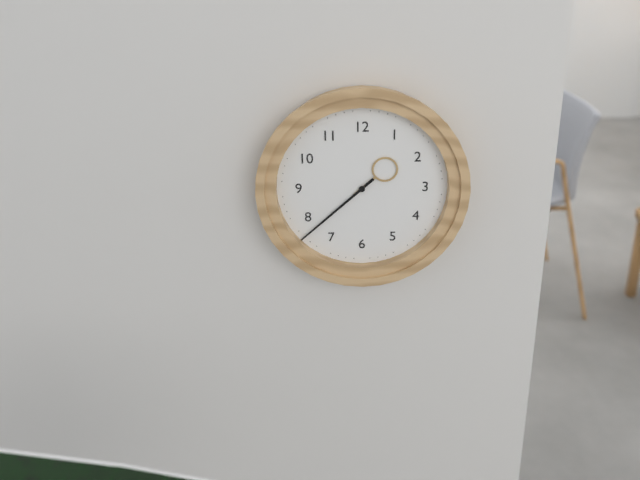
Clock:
1:38
